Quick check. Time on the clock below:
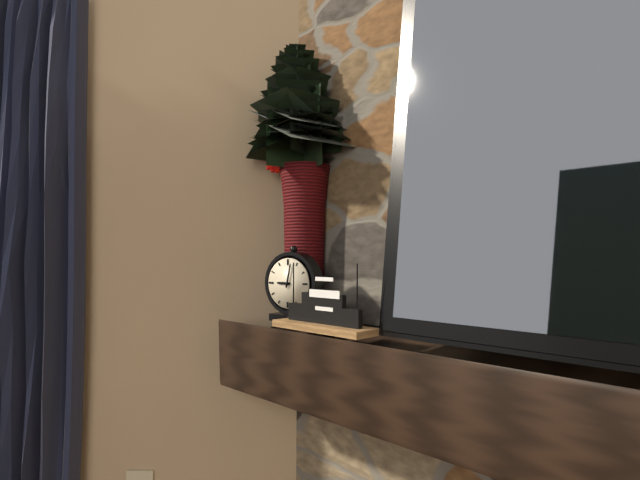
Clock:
9:02
